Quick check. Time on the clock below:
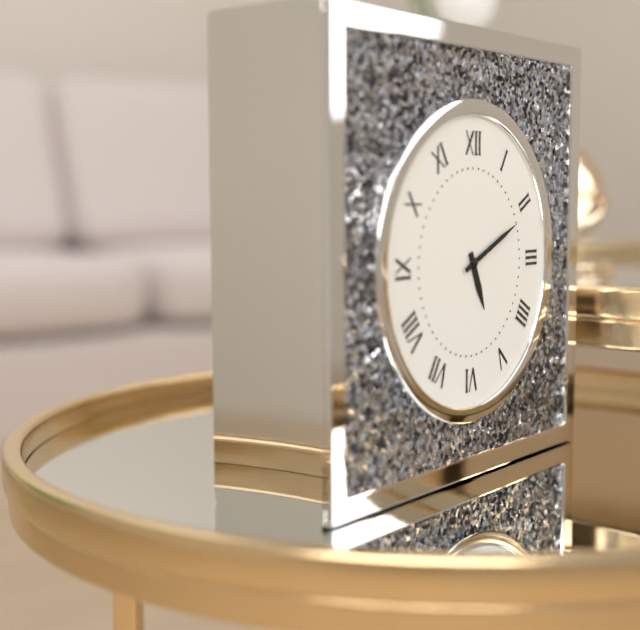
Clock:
5:11
